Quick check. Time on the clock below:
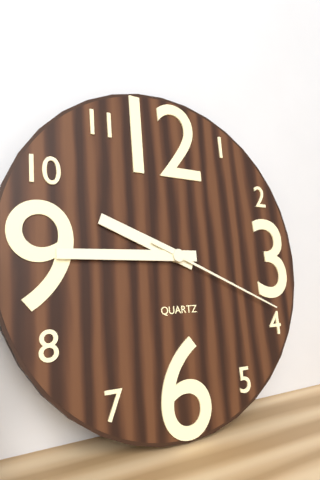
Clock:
9:45:19
